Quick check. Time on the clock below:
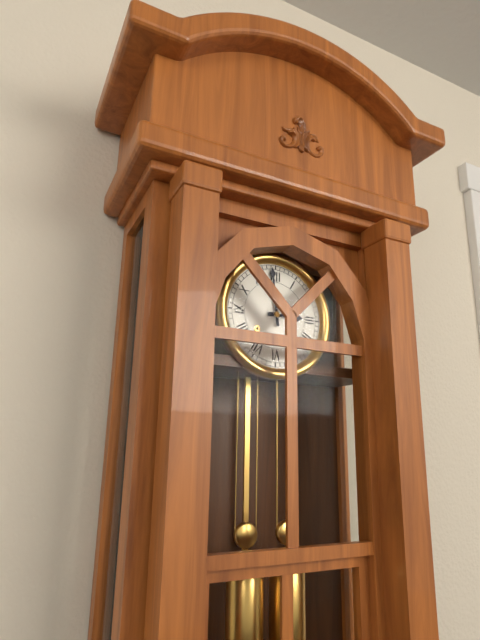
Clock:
2:59
